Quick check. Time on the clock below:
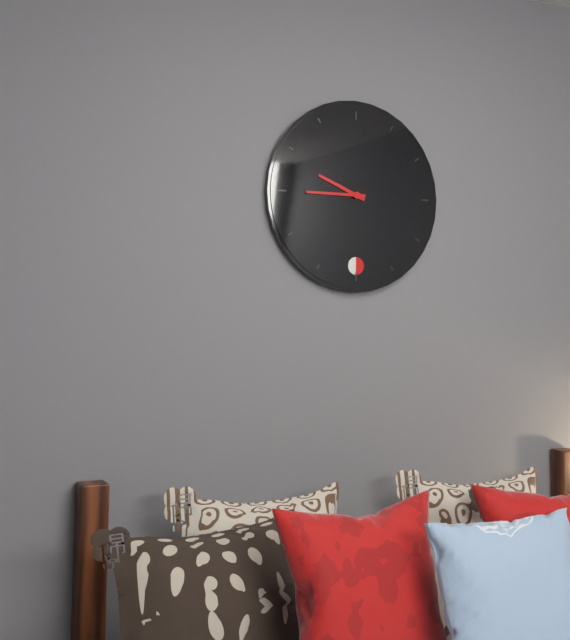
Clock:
9:45
